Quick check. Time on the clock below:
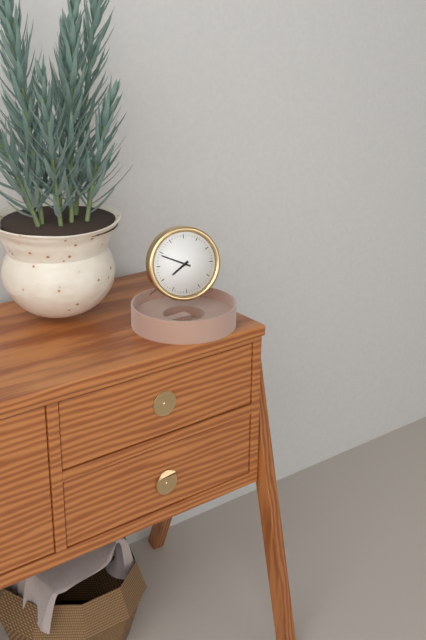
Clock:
7:49
